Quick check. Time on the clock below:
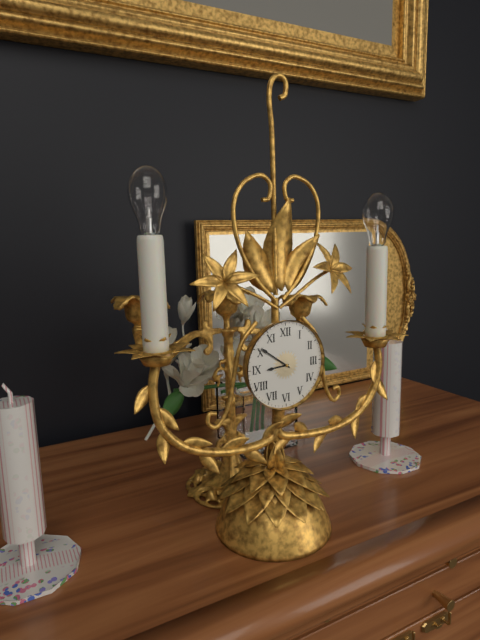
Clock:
8:51
